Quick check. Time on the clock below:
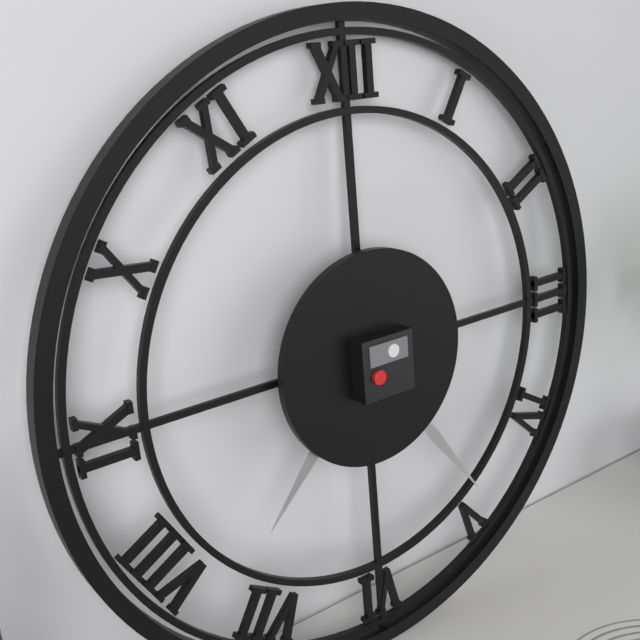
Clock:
7:24
